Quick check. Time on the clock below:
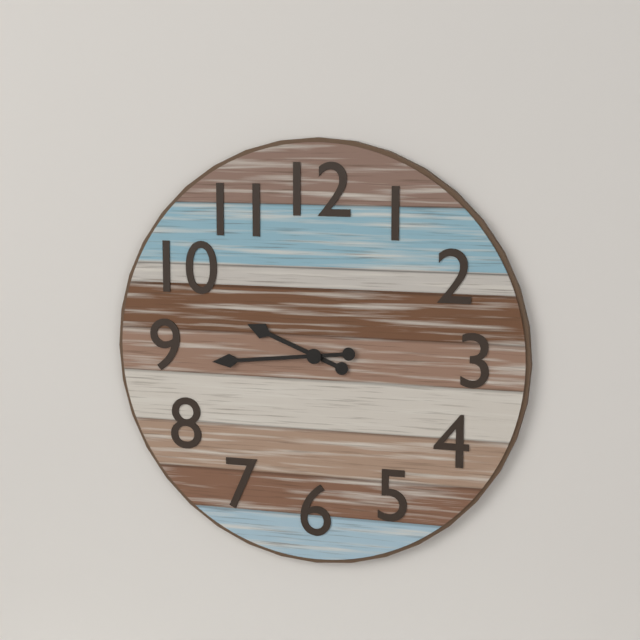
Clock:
9:44
